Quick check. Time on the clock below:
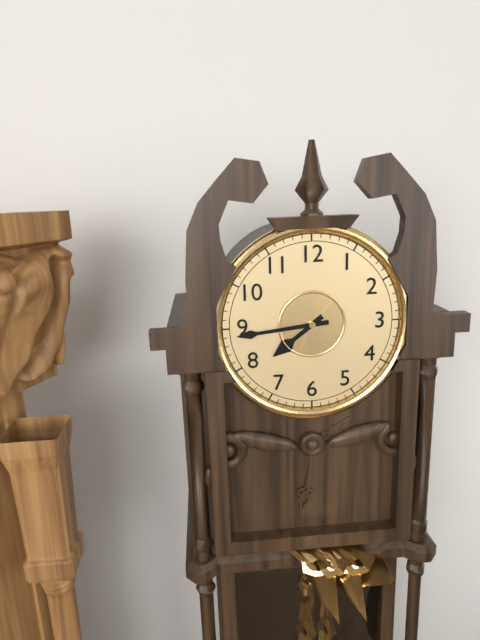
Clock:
7:44
